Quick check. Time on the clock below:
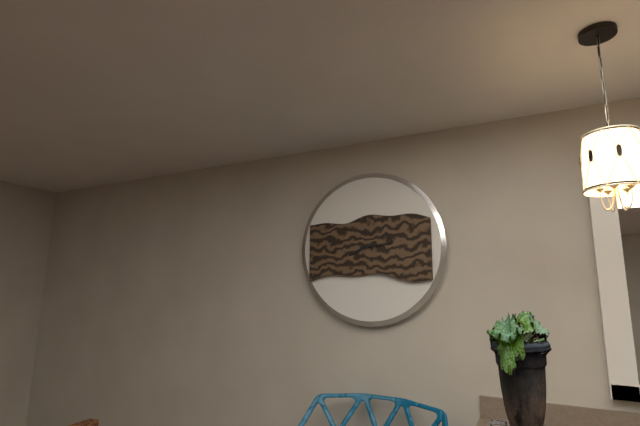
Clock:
8:14
